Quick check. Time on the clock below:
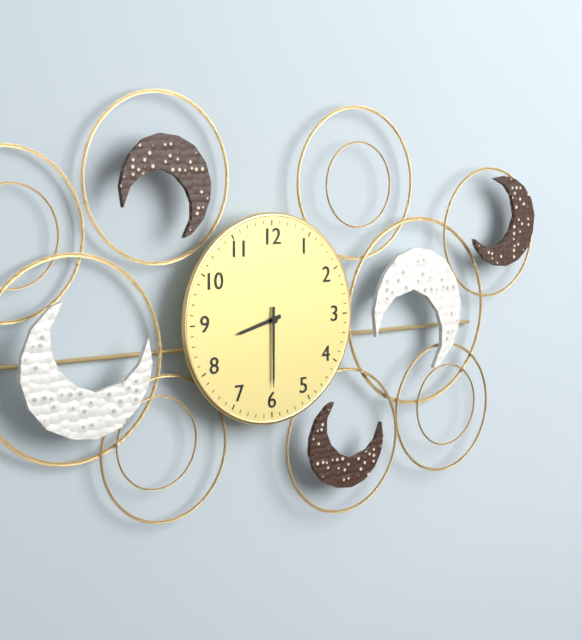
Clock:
8:30
